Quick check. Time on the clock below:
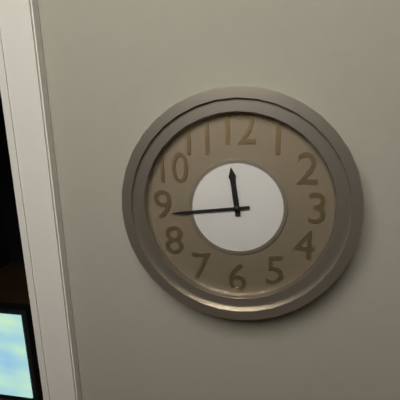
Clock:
11:44
